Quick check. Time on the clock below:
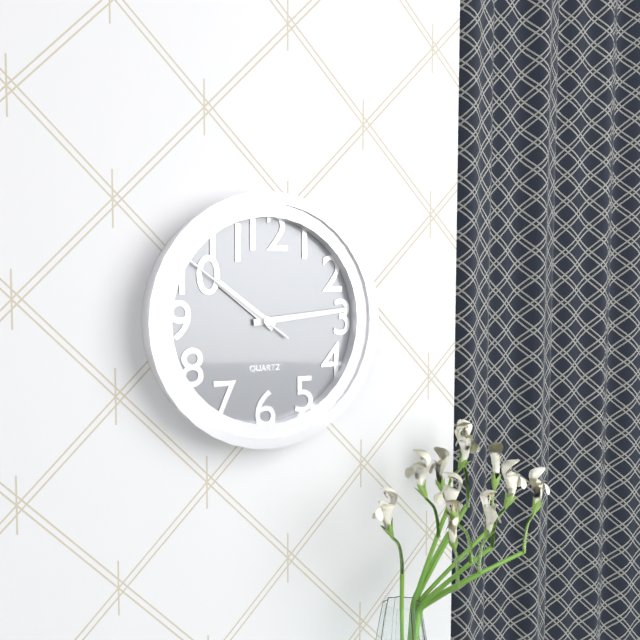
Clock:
10:14:51
